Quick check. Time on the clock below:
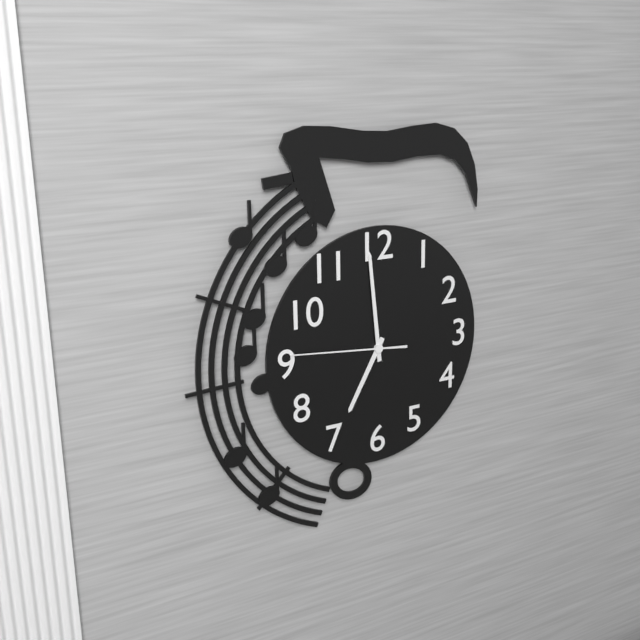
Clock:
6:59:46
